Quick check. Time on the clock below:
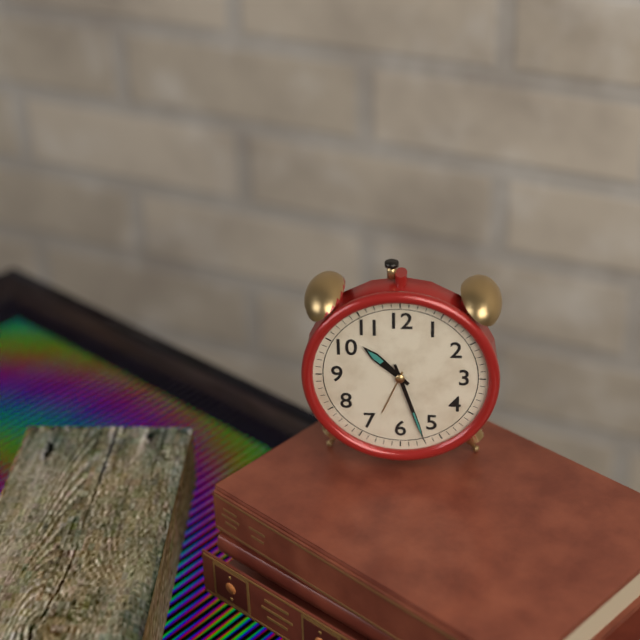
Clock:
10:27
